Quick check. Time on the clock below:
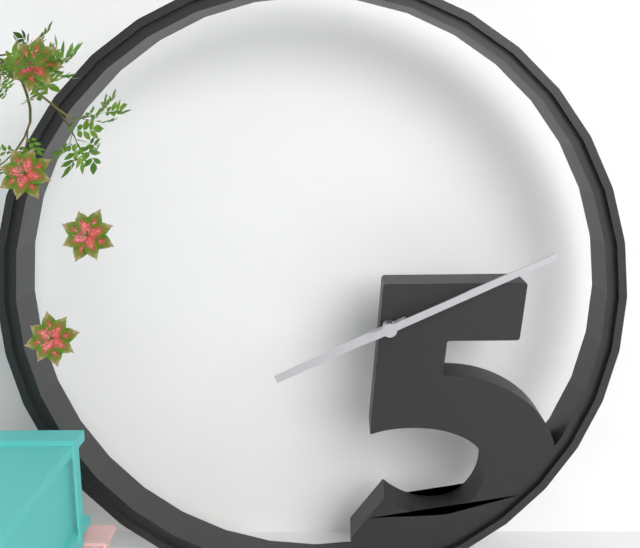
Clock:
8:11
